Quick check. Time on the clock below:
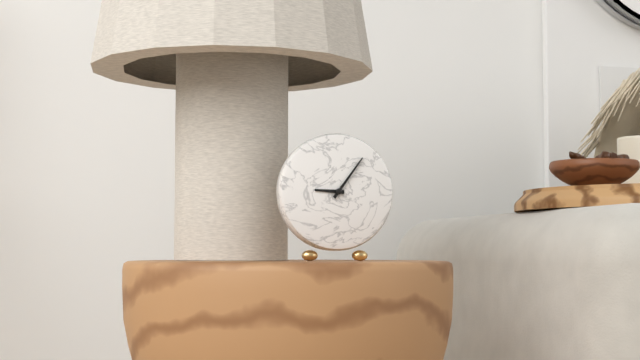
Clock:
9:06
